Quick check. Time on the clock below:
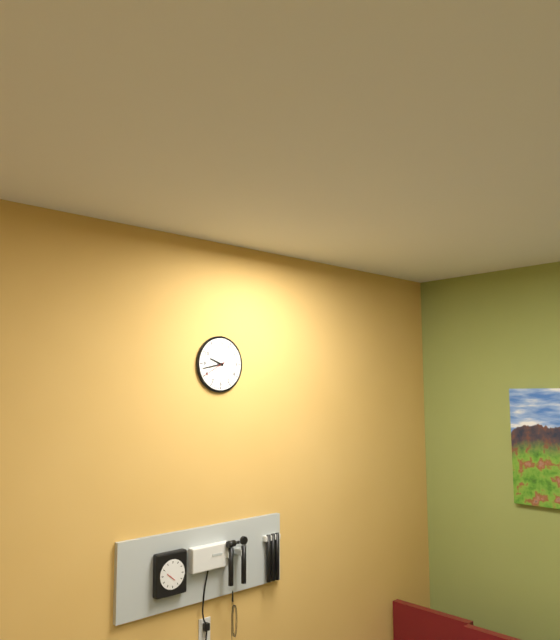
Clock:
9:43
